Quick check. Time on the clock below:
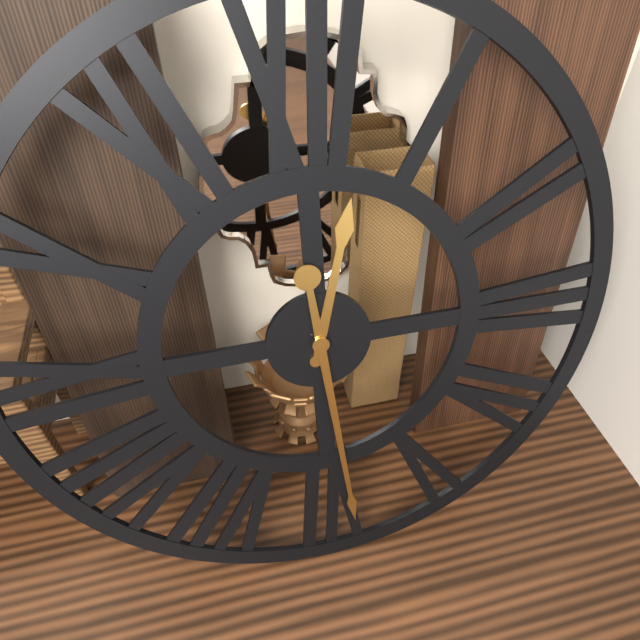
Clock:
12:29
